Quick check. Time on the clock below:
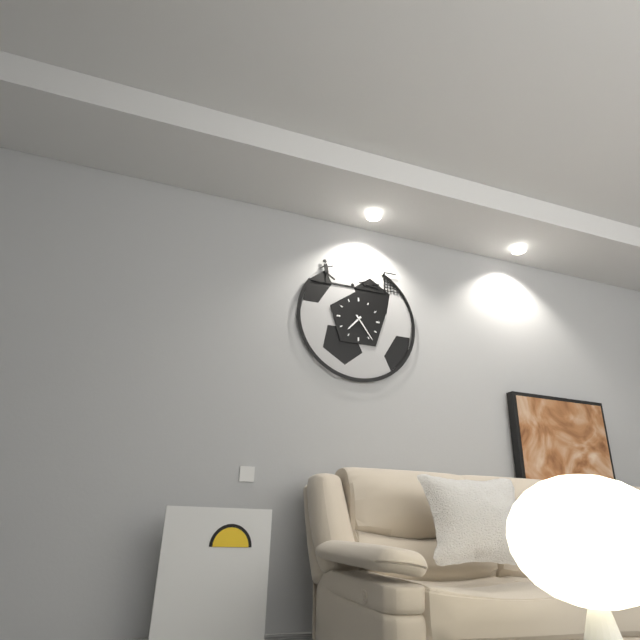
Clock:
7:24
